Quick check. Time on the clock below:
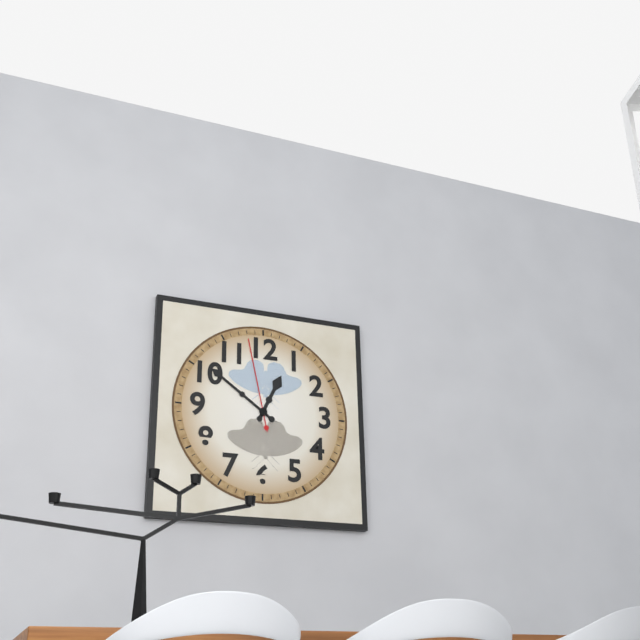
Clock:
12:51:58
